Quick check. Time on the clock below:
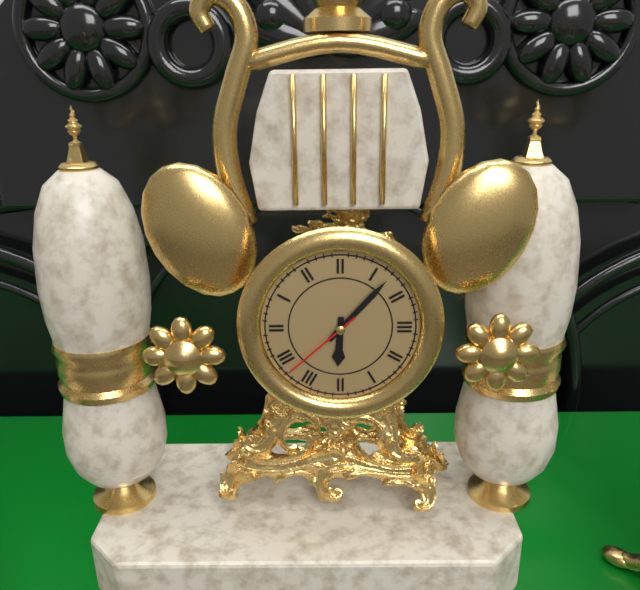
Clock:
6:07:38
